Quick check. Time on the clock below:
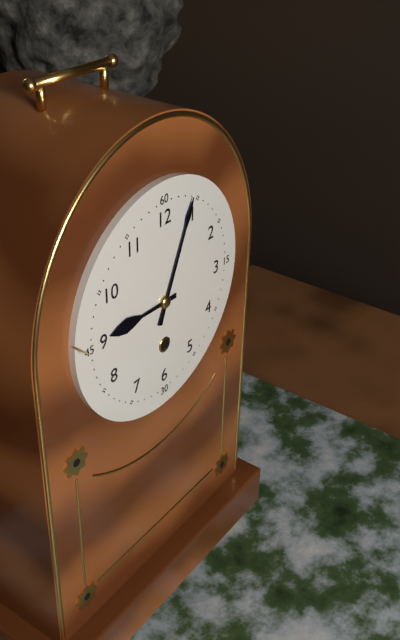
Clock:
9:04
